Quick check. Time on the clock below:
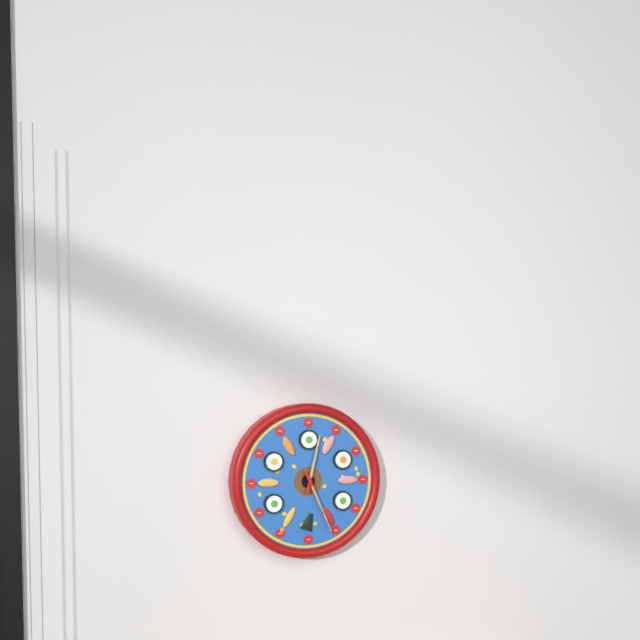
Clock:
12:26
